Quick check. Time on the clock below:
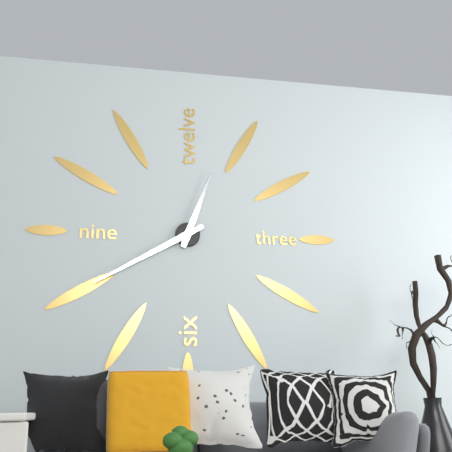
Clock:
12:40
